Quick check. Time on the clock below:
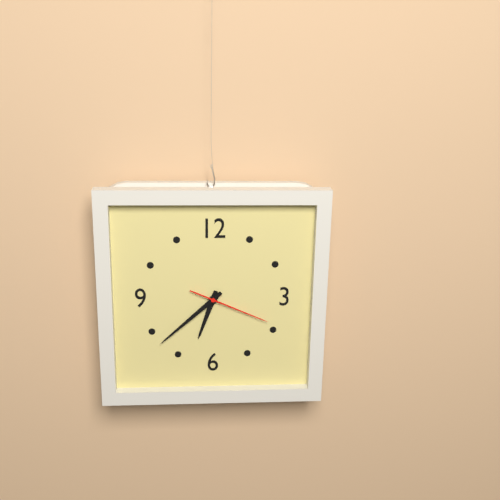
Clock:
6:38:19
